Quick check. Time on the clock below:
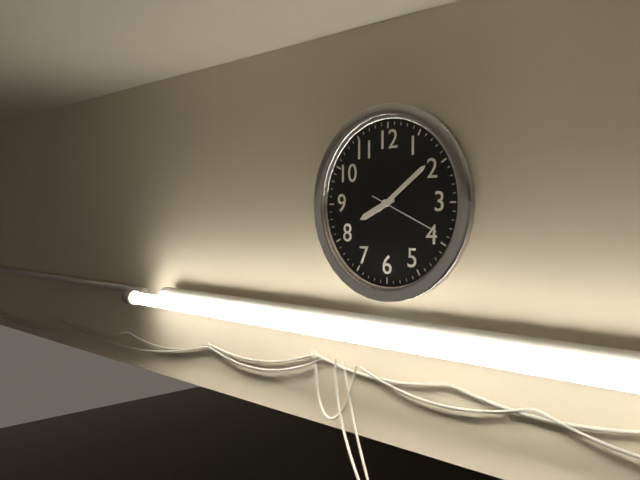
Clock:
8:09:19
